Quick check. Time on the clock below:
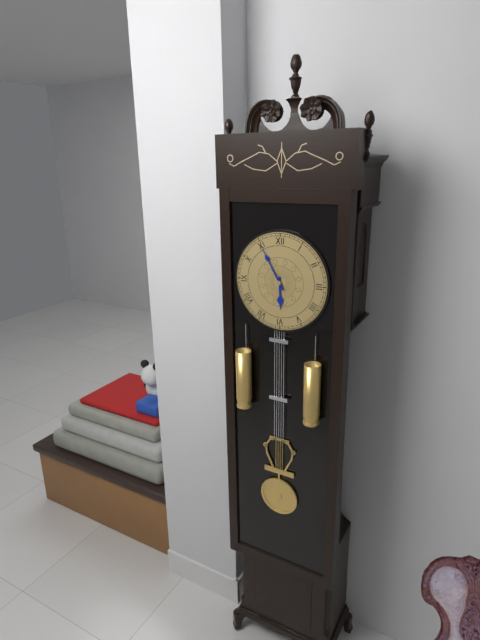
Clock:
5:55
